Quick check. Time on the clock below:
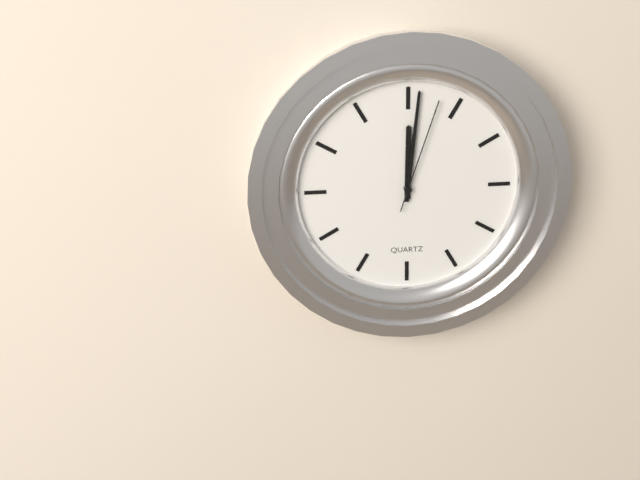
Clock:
12:01:03
